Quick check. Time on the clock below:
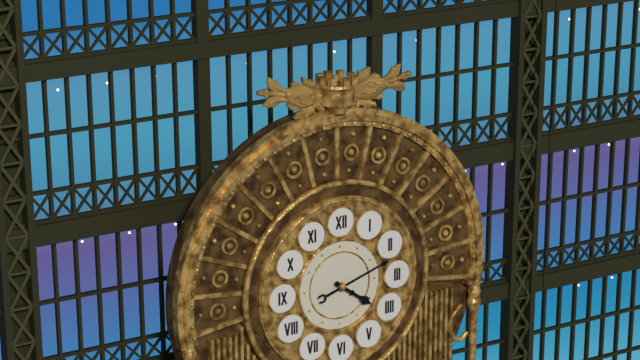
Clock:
4:12
